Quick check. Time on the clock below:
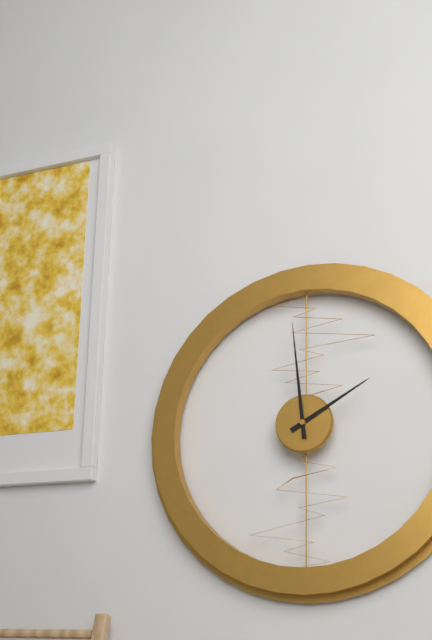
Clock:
1:59
